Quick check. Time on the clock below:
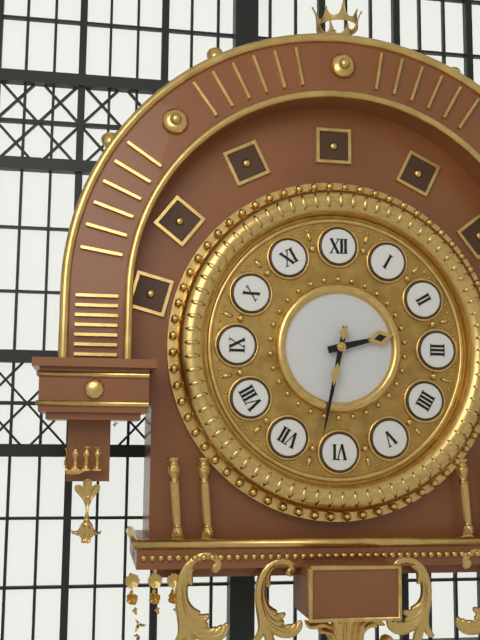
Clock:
2:32
